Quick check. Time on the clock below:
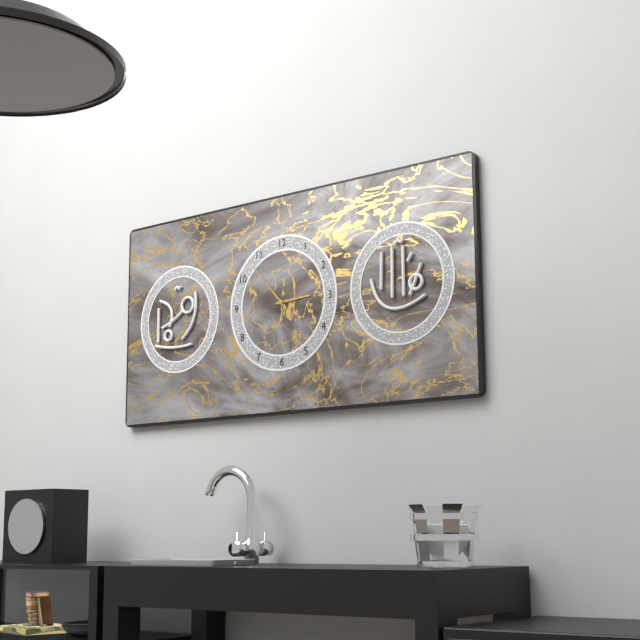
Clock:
2:53
